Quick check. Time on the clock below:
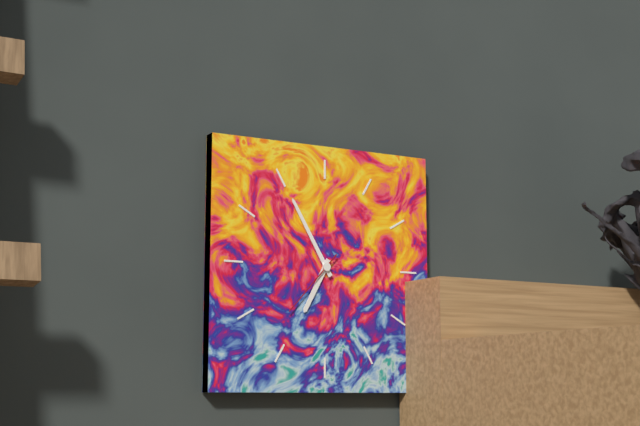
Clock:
6:55:37
